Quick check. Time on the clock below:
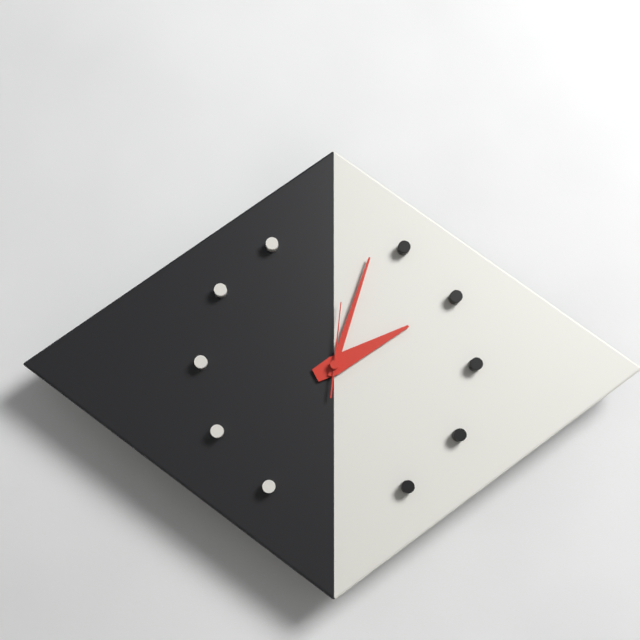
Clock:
2:03:01
